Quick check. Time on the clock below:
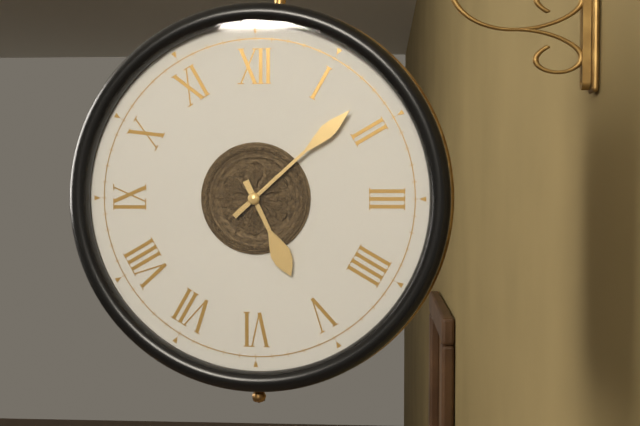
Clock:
5:08
